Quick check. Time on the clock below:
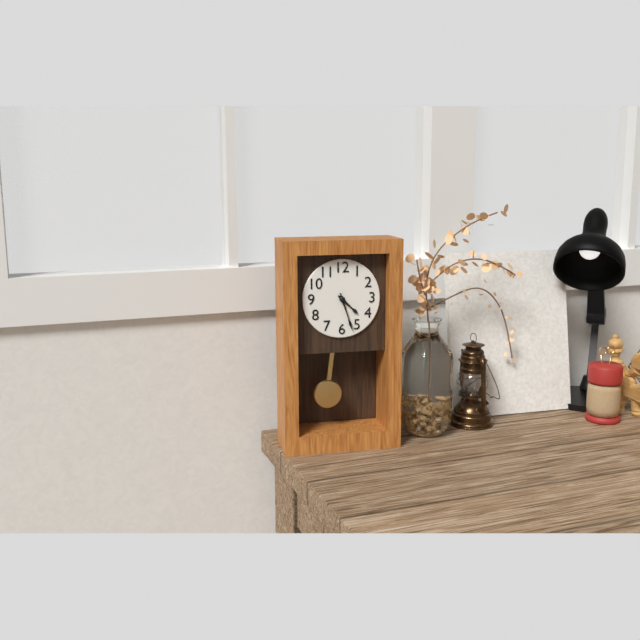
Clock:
4:27
